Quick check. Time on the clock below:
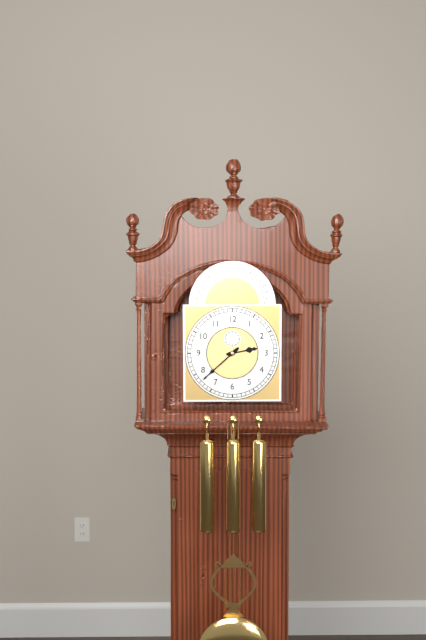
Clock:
2:38
